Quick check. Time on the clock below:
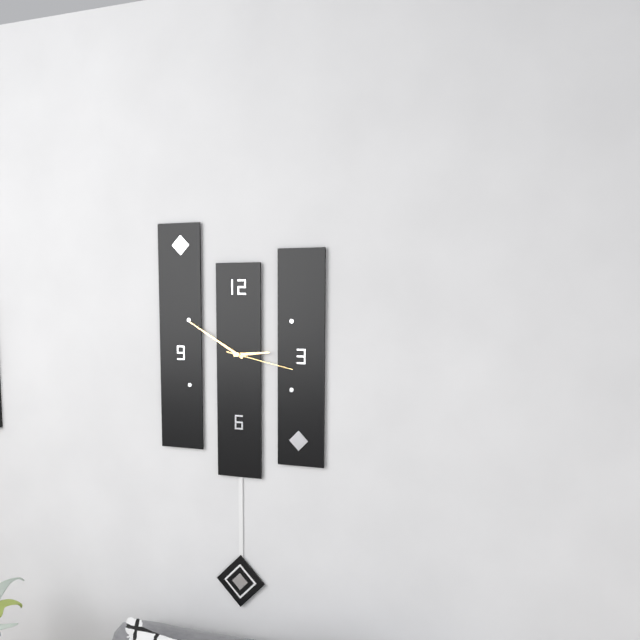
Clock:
2:50:17
